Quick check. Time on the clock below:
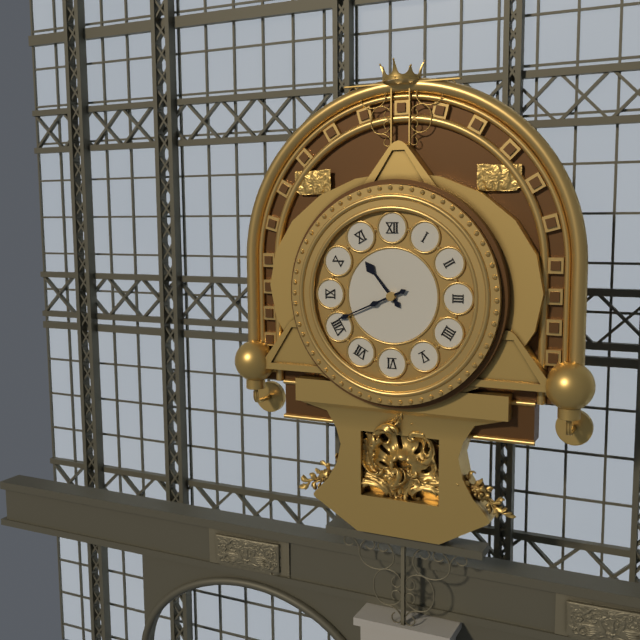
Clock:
10:41
